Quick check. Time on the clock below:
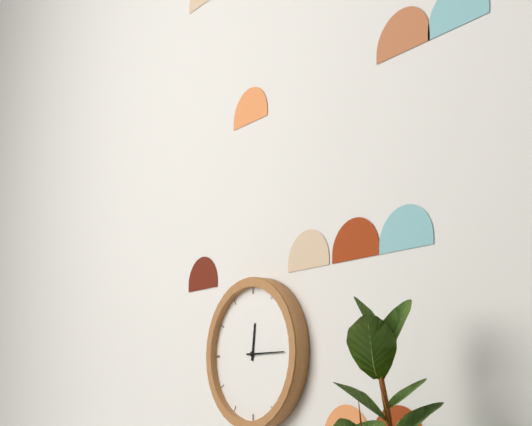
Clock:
12:15
